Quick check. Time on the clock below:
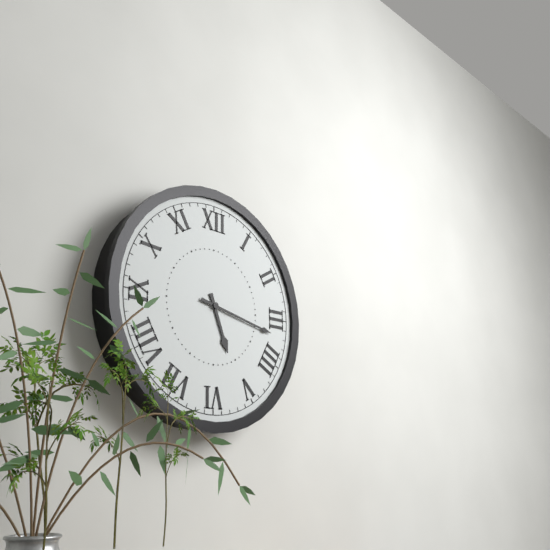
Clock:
5:17
